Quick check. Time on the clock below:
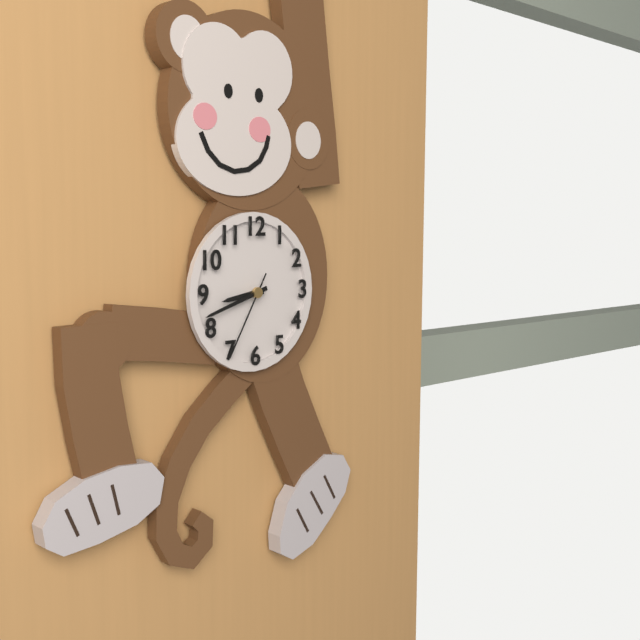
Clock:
8:42:35
